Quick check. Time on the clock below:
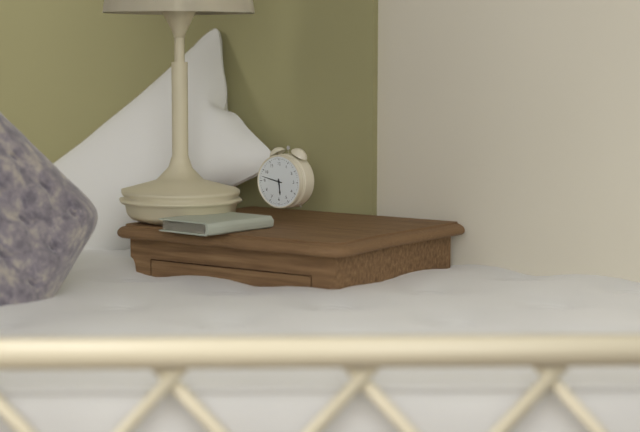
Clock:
5:47
